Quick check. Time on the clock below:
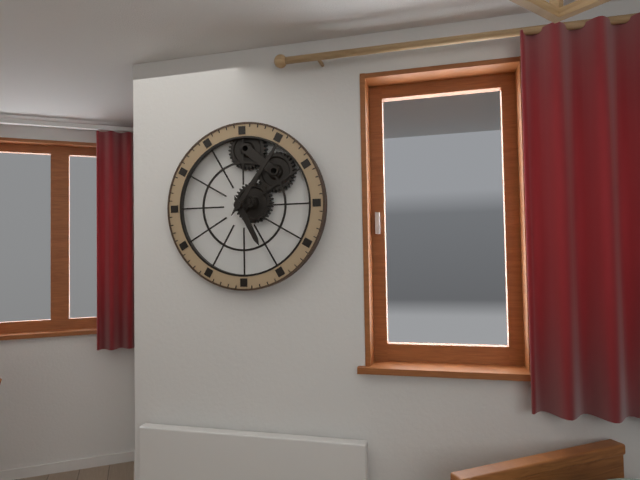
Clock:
5:06
